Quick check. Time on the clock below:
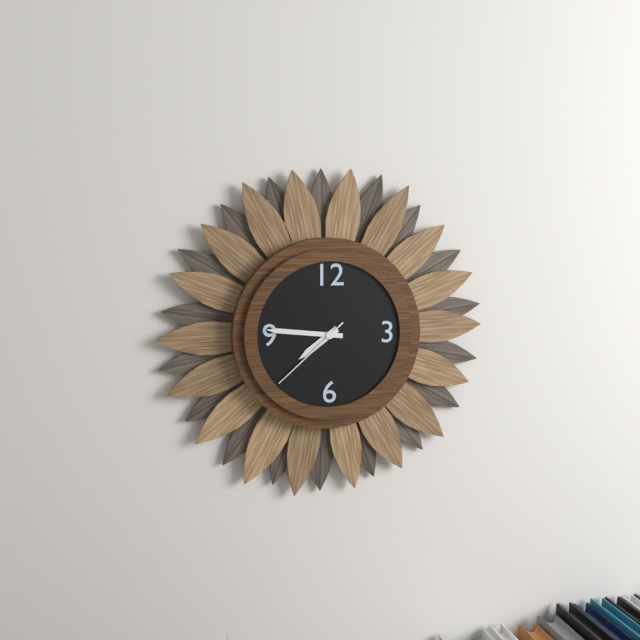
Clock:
7:46:38
